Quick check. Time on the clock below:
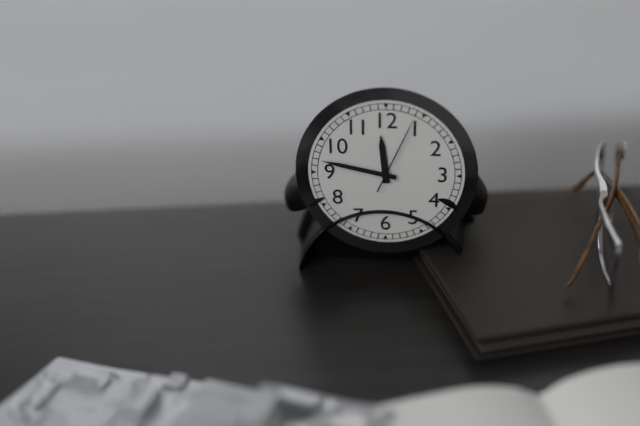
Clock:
11:47:04
